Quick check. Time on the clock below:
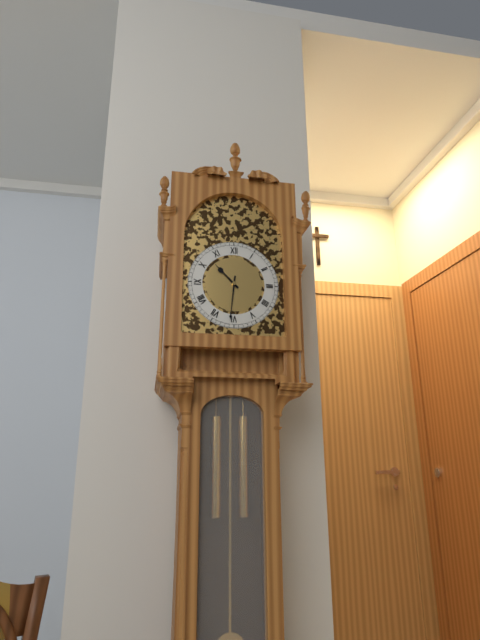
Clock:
10:31
